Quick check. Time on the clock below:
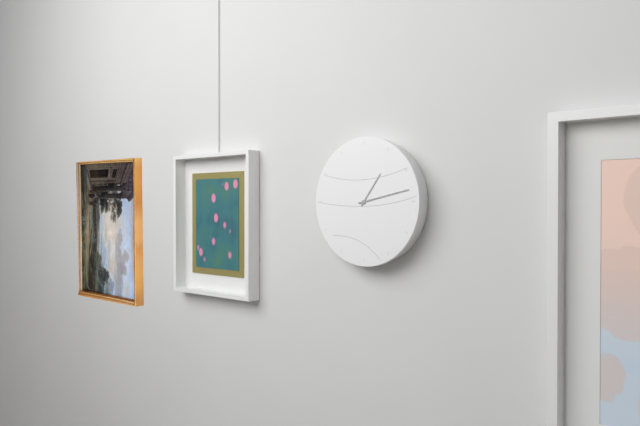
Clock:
1:13
